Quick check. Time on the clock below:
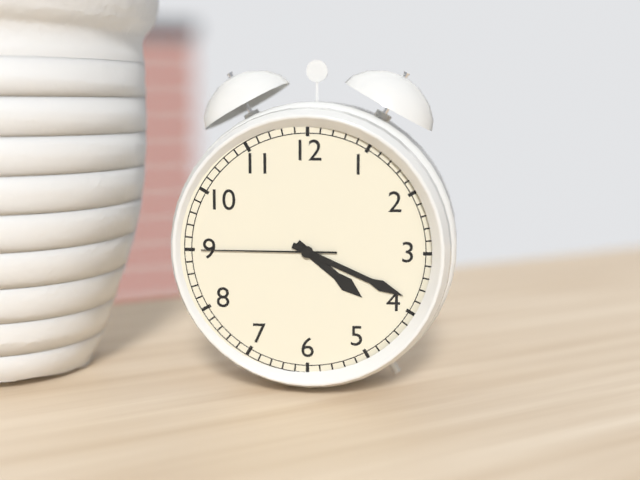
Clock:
4:19:45
